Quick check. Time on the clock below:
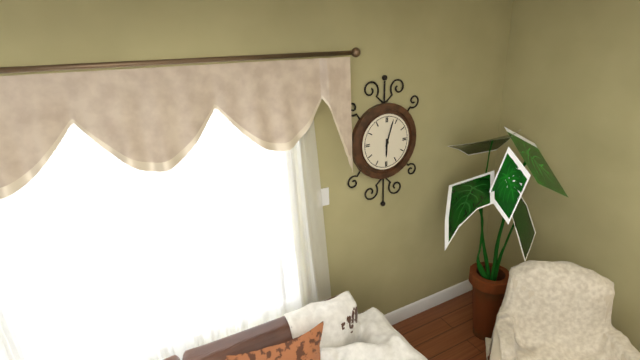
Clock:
6:03
